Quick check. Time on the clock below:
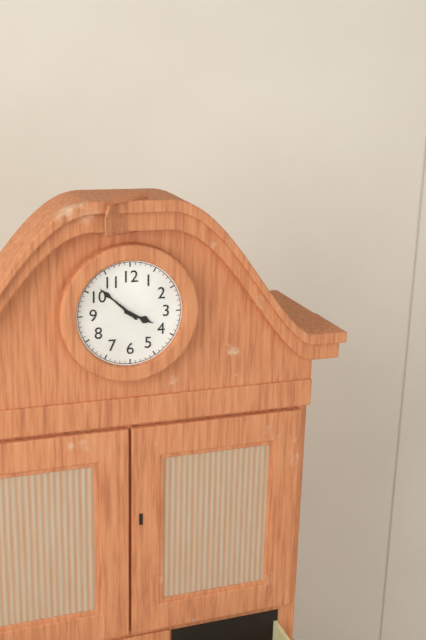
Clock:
3:52
